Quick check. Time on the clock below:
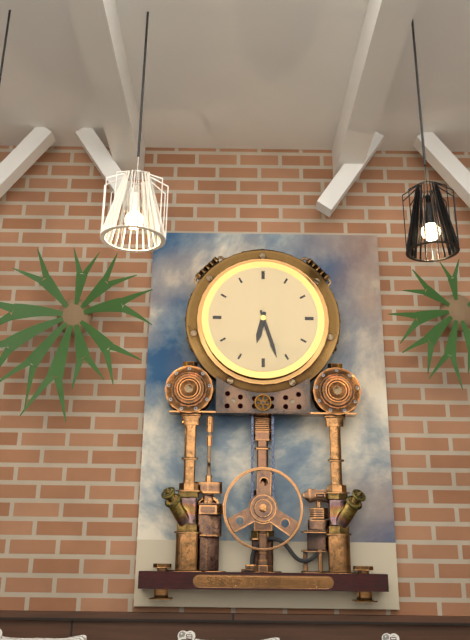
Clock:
6:27
